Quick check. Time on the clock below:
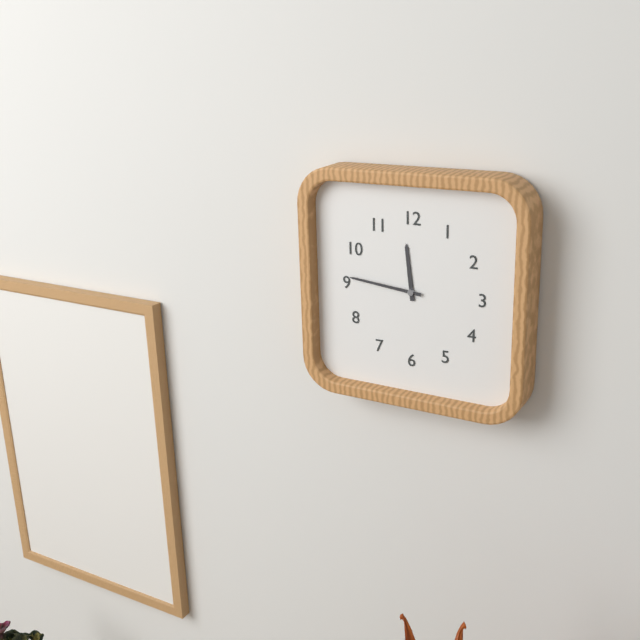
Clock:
11:46
